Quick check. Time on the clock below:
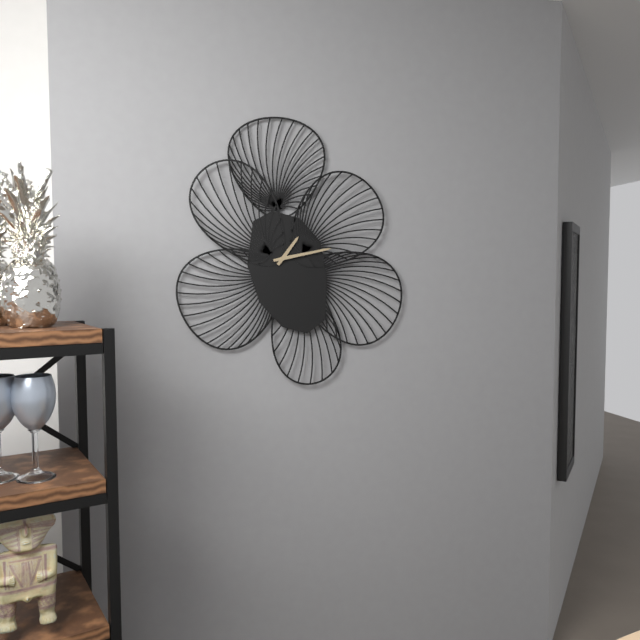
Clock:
1:13
